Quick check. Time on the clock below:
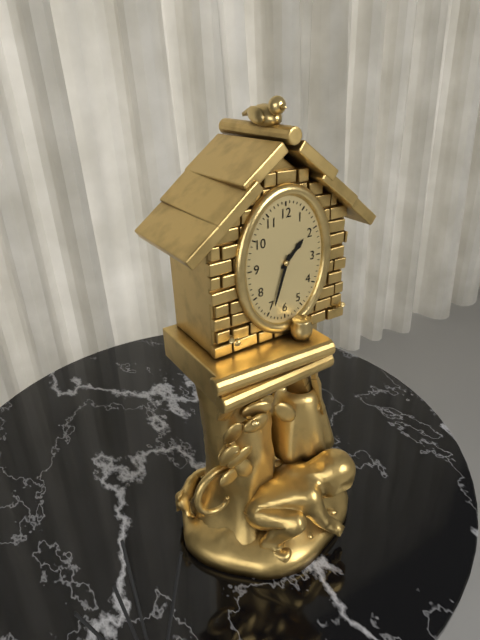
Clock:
1:33
